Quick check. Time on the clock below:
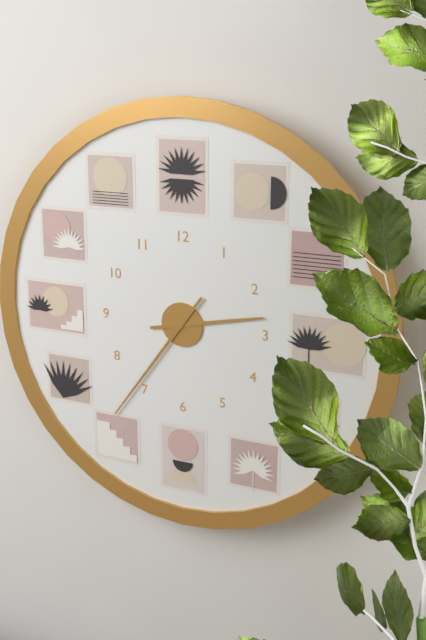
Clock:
2:36
